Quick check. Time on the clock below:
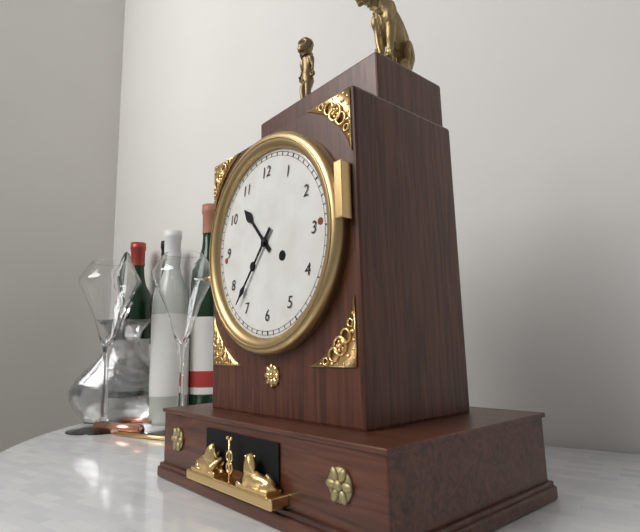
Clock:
10:37
